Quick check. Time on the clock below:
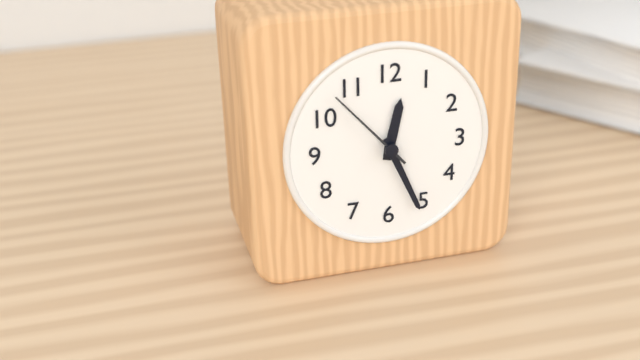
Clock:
12:26:53
